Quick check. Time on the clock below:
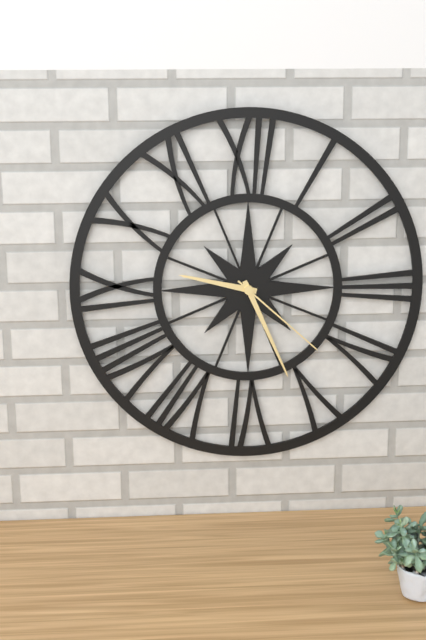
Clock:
9:26:22
